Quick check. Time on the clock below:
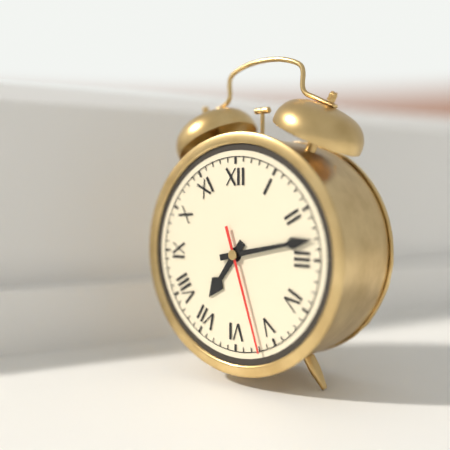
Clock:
7:13:27
